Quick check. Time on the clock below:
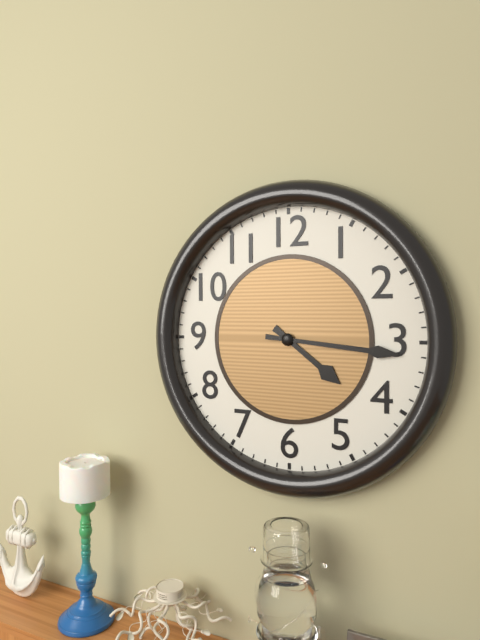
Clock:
4:16
